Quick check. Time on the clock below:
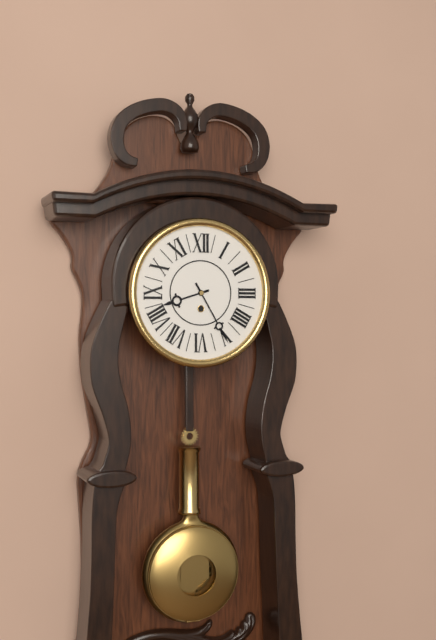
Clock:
8:25
